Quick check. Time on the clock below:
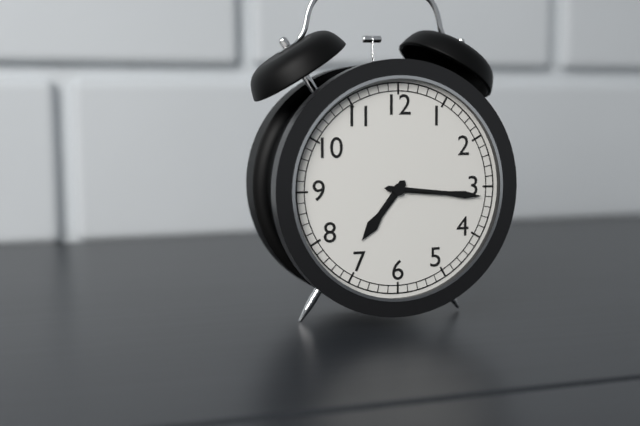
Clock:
7:16
